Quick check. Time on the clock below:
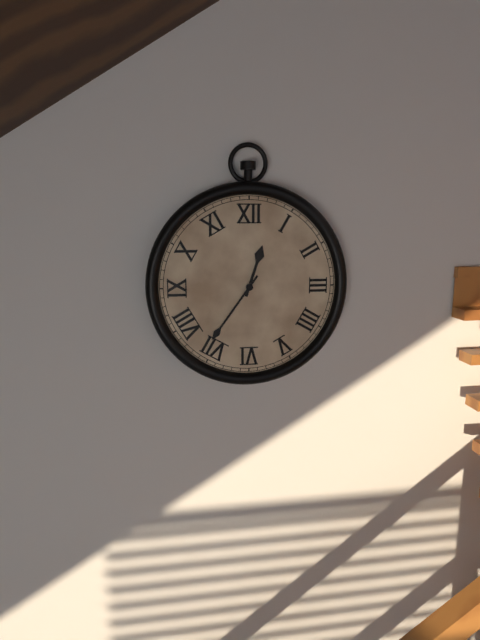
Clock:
12:36
